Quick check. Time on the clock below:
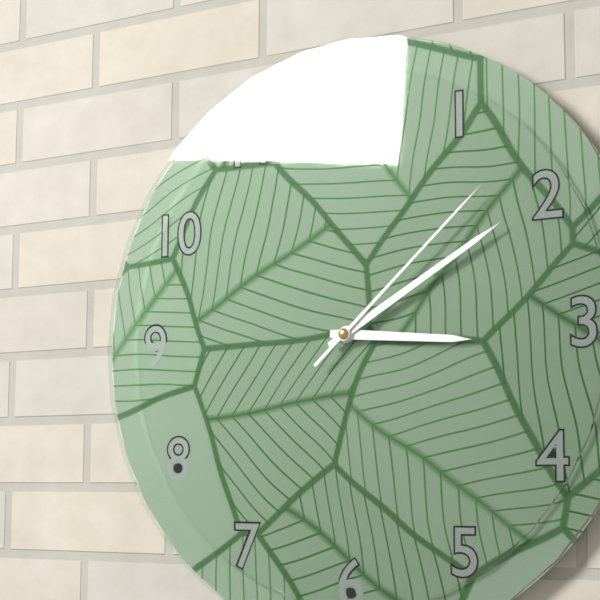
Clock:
3:10:08
